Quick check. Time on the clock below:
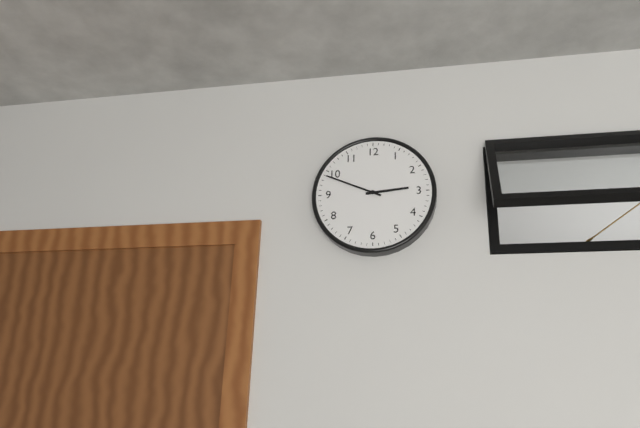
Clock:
2:49
